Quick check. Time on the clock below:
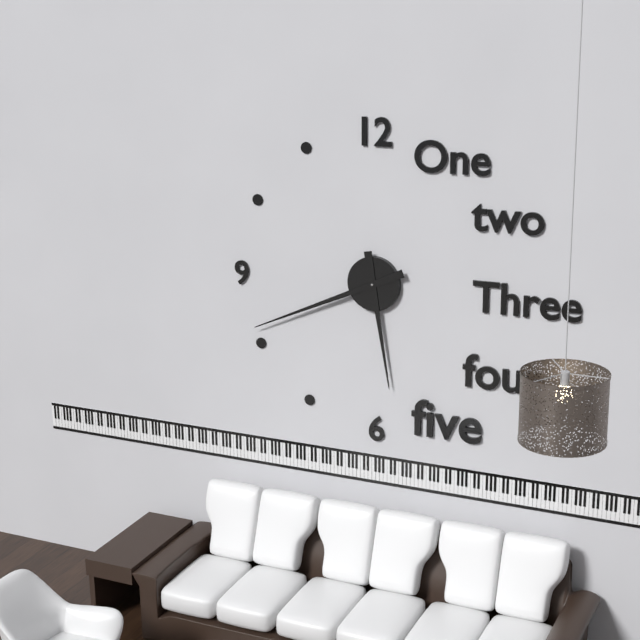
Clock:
5:41
